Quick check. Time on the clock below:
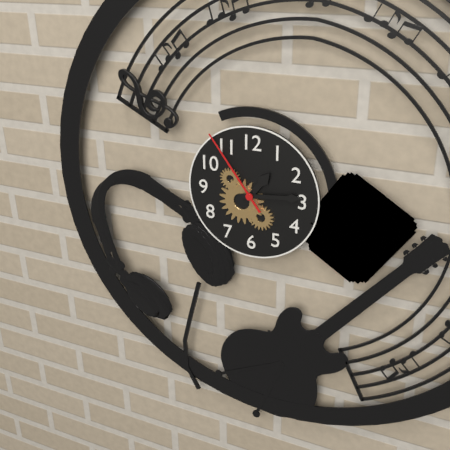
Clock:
1:14:54
